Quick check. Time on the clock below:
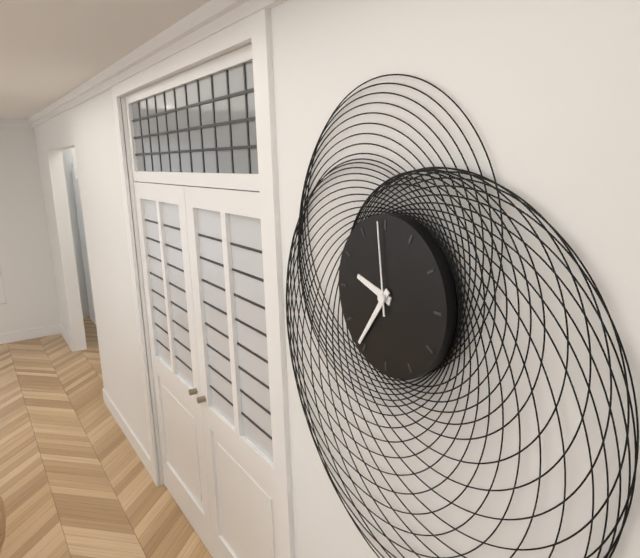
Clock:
9:36:59
